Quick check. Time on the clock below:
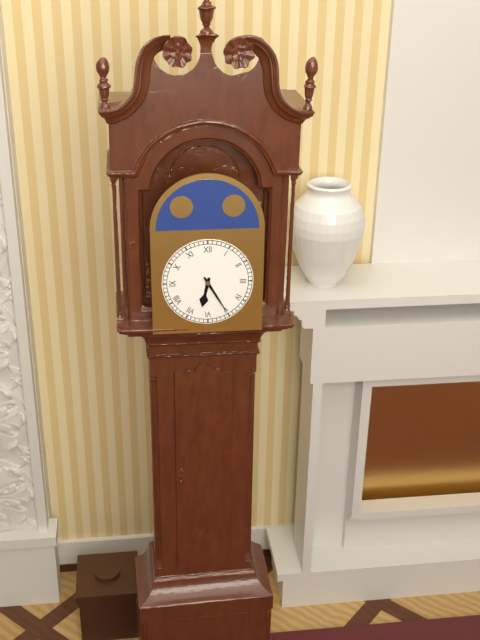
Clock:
6:25
